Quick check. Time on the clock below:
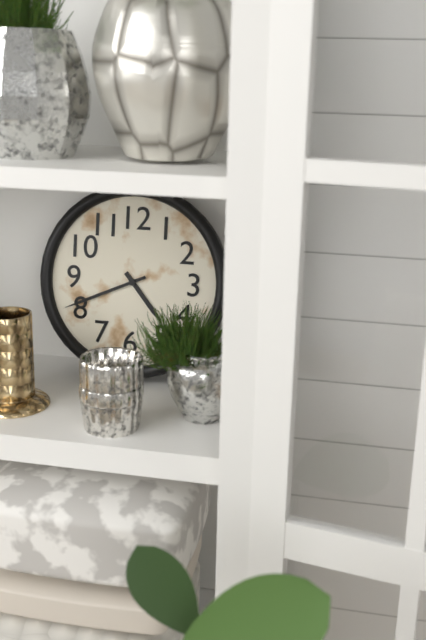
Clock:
4:41
